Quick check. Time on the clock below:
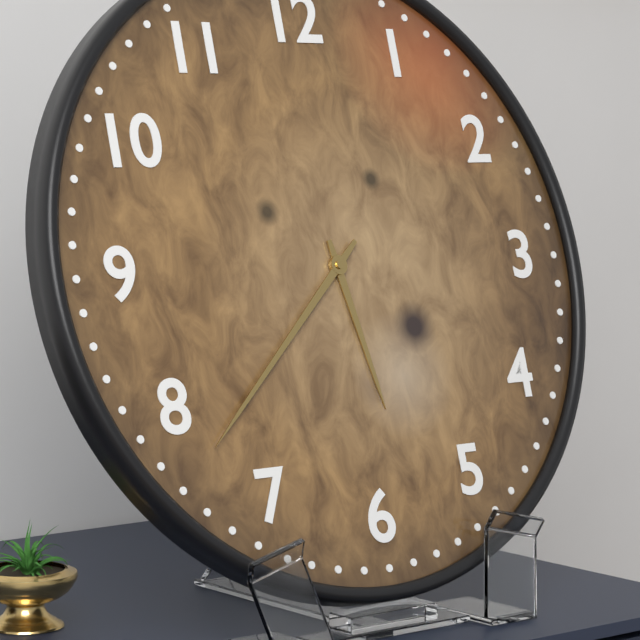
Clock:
5:38
